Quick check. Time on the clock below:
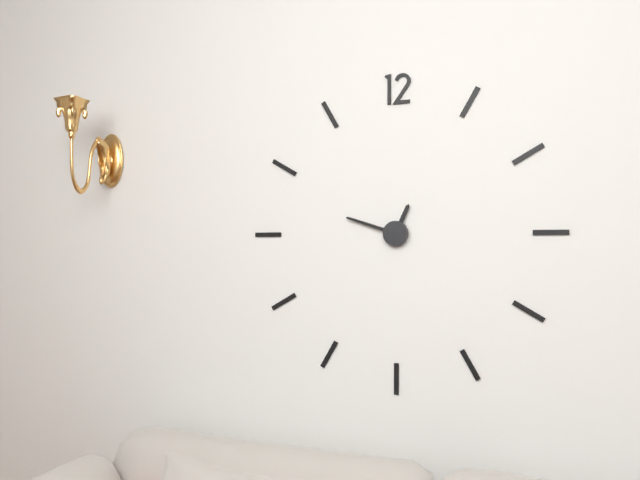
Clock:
12:48
